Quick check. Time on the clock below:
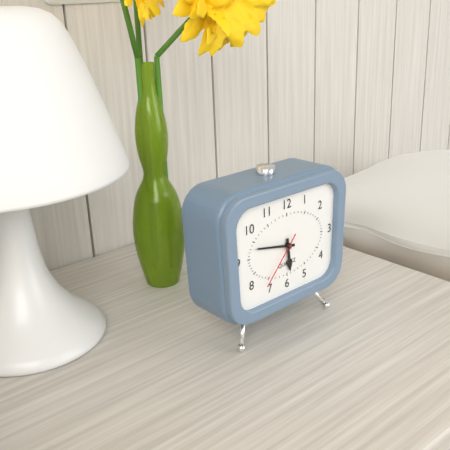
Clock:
5:47:37
